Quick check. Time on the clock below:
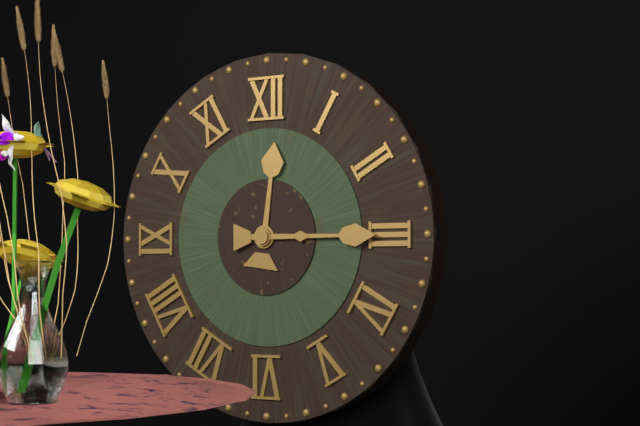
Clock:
12:15
